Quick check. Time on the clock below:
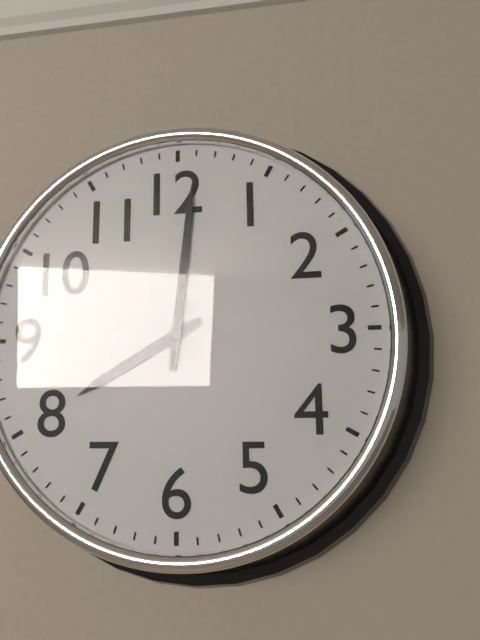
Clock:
8:01
